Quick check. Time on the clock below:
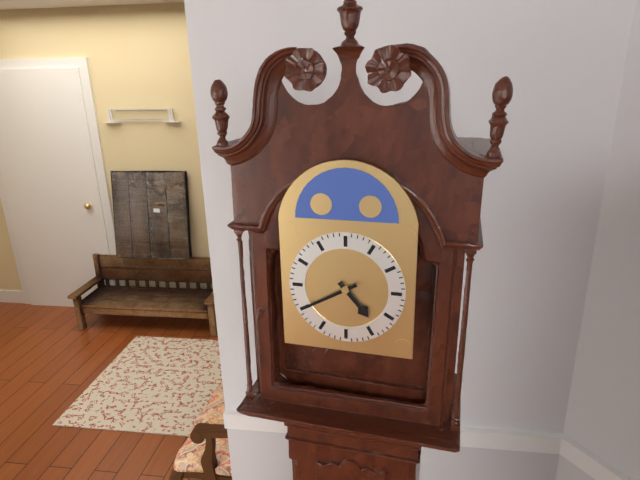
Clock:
4:40
